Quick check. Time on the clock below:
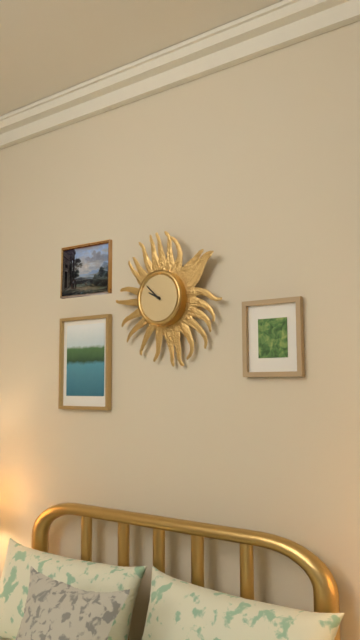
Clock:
9:52
